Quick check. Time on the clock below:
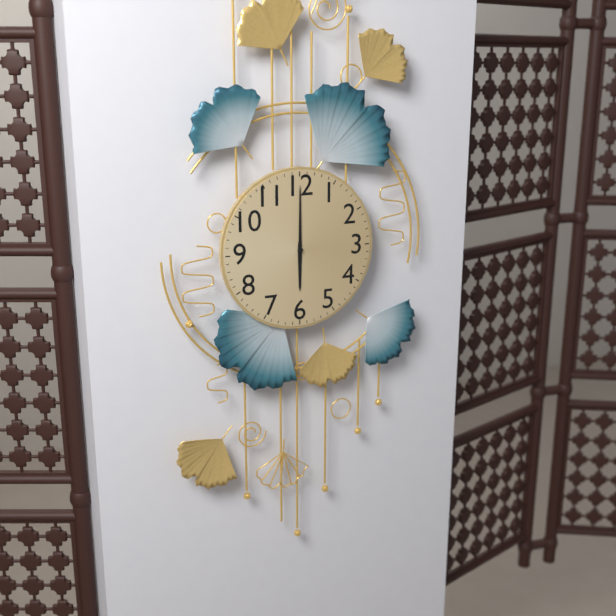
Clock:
6:00
